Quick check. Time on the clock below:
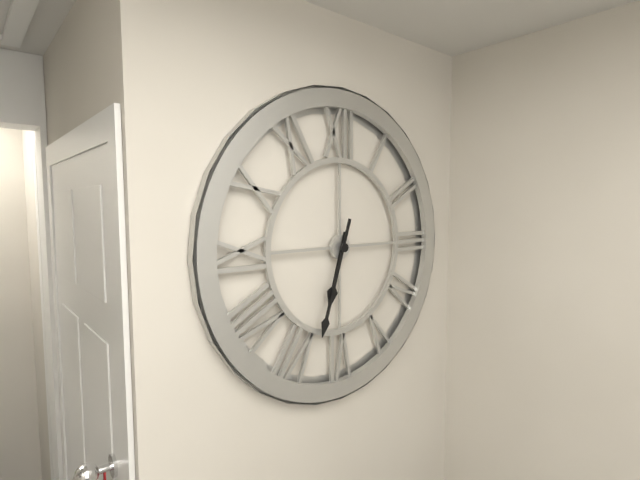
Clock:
6:33
